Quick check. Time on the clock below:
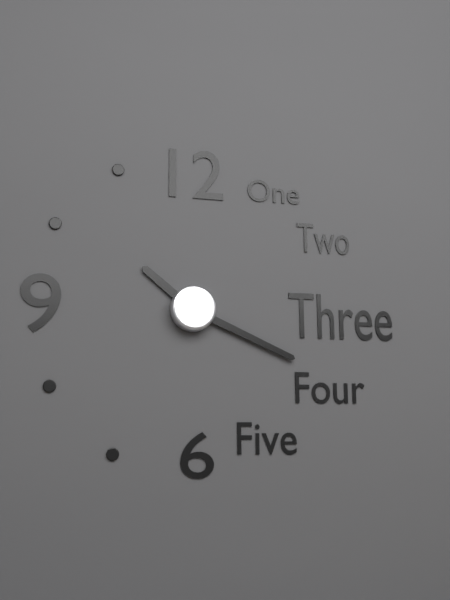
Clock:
10:19
